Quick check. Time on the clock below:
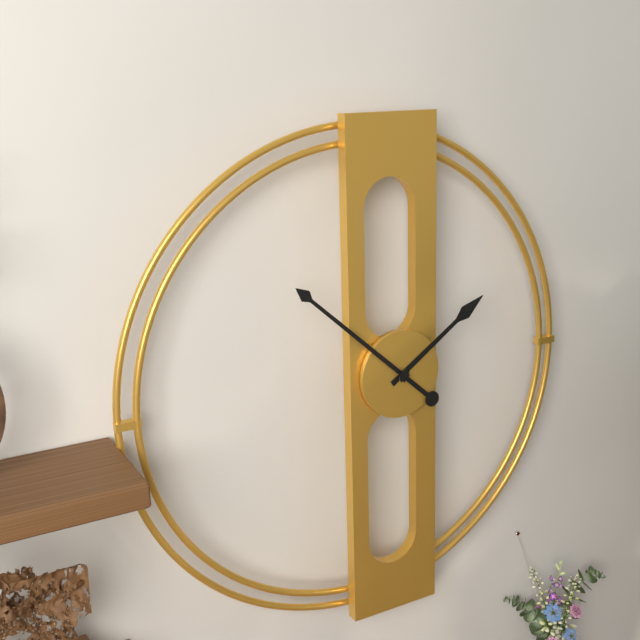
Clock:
1:52
